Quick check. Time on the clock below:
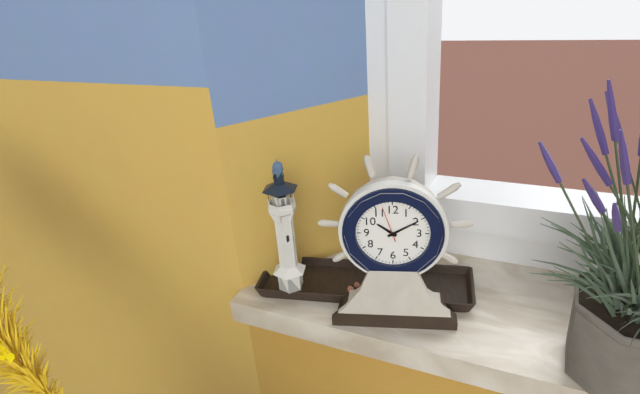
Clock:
10:10
